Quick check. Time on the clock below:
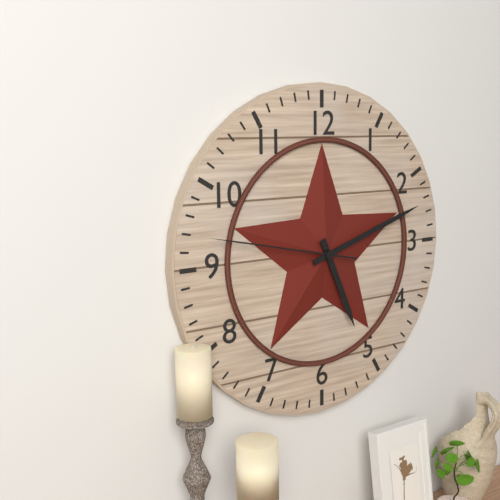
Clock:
5:12:47
